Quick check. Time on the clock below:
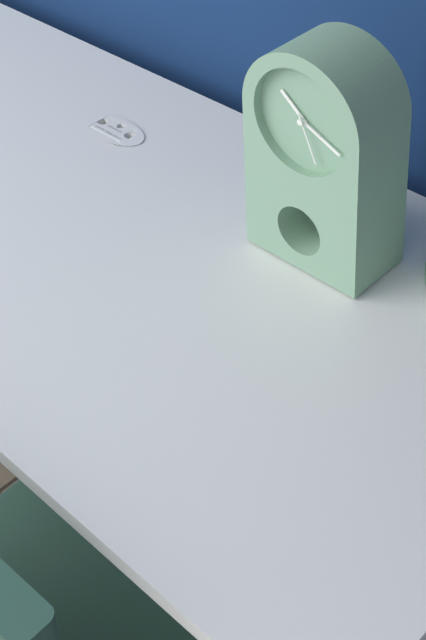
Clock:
10:19:26
